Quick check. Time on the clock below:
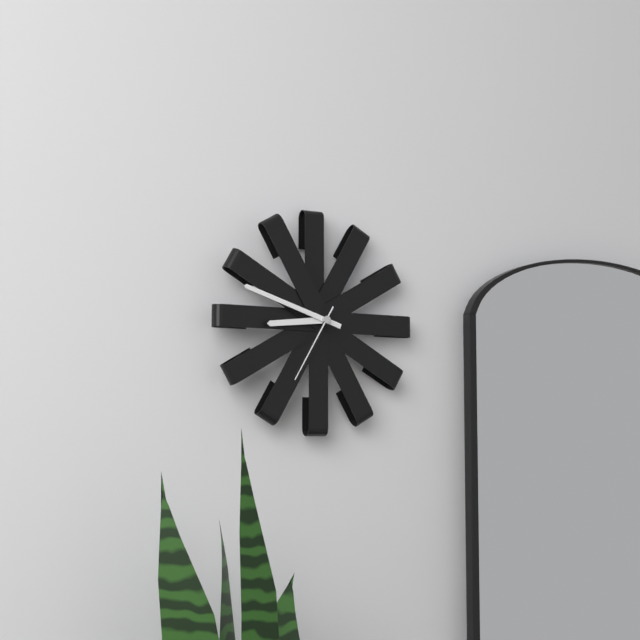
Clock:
8:48:35
